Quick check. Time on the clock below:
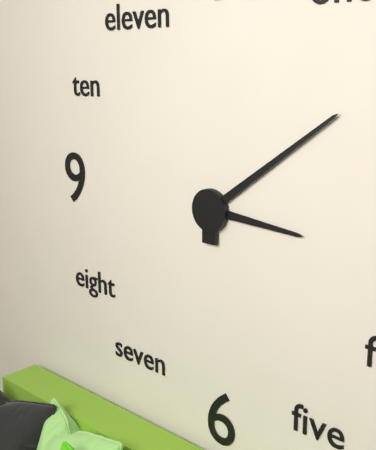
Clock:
3:09
